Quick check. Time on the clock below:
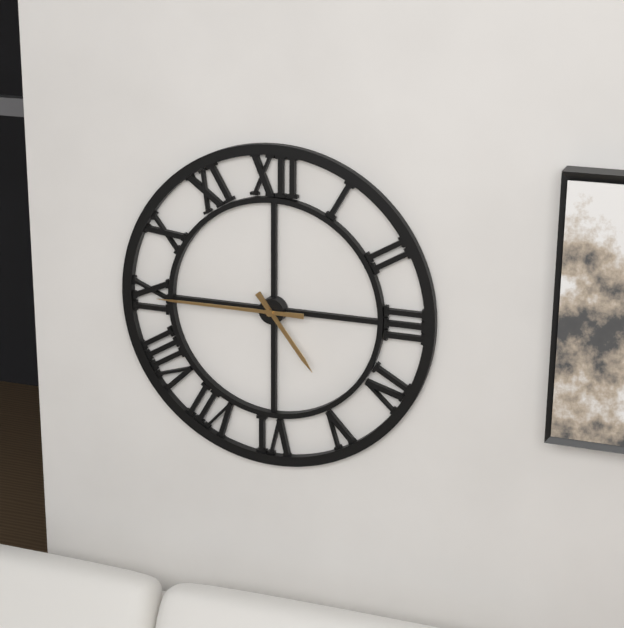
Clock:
4:45
